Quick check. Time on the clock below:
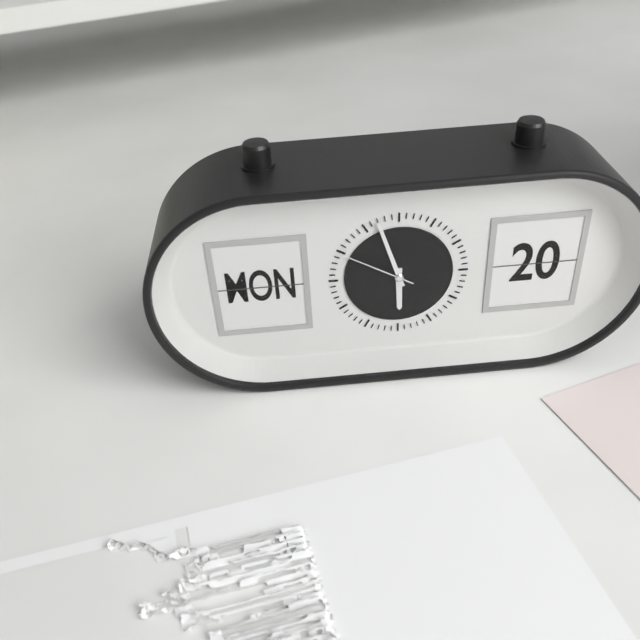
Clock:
5:57:50
